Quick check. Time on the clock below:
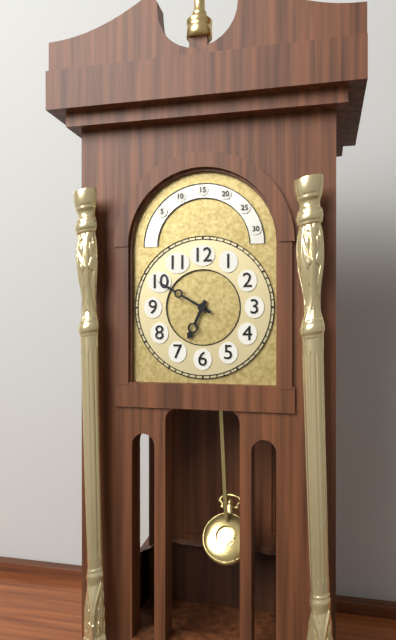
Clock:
6:50
